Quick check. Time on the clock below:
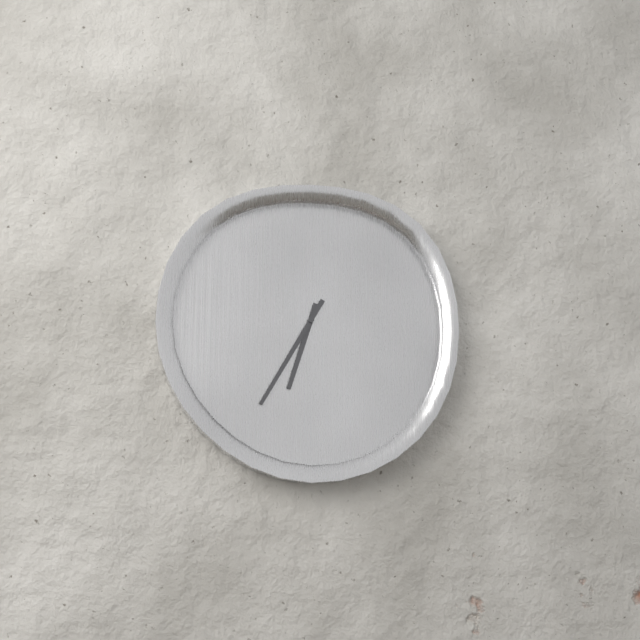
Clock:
6:35
